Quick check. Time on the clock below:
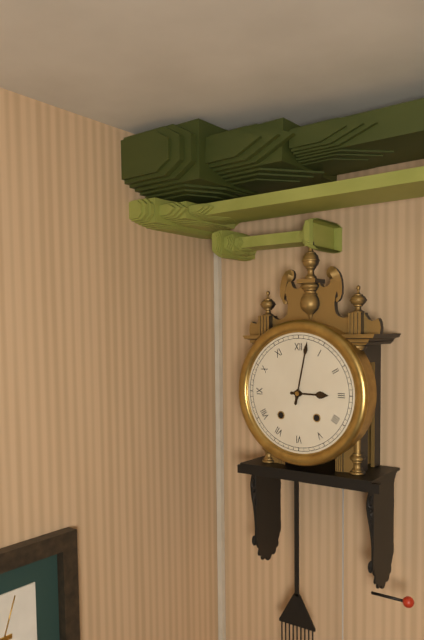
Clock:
3:02
